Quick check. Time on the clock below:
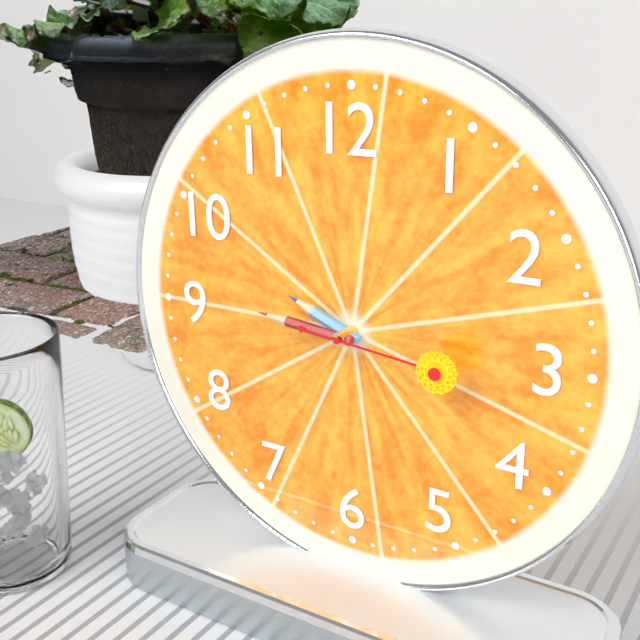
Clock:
9:46:16
